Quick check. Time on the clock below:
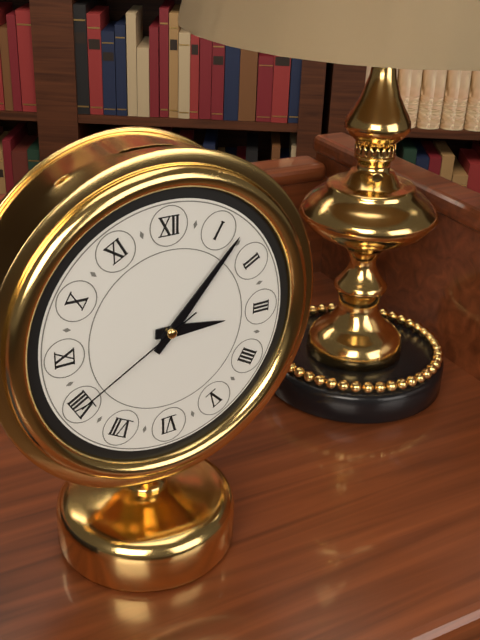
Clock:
3:07:40
